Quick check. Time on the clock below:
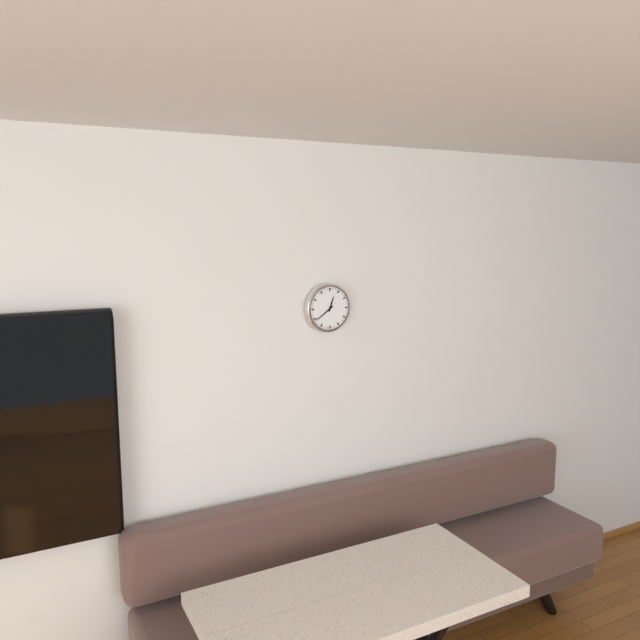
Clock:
12:39
